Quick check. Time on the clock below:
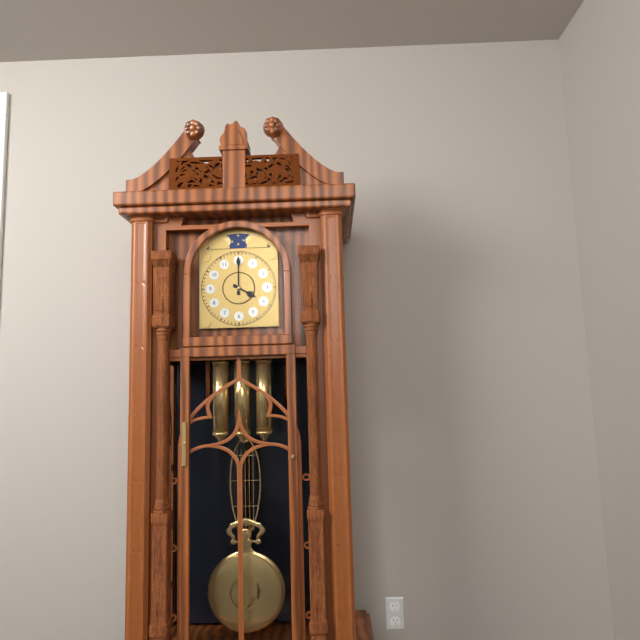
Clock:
4:00
